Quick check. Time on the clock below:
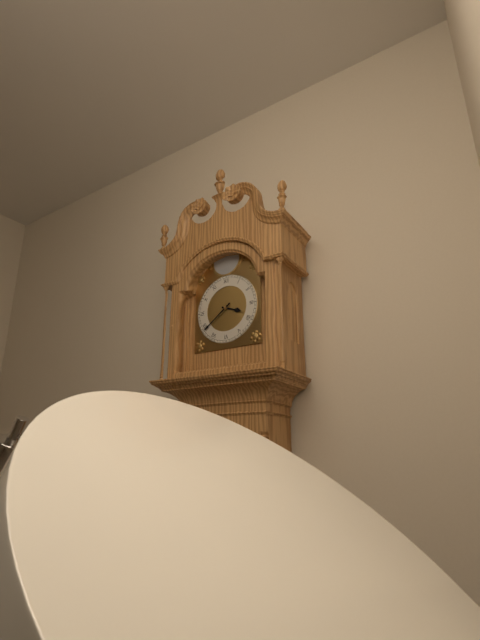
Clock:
3:39
